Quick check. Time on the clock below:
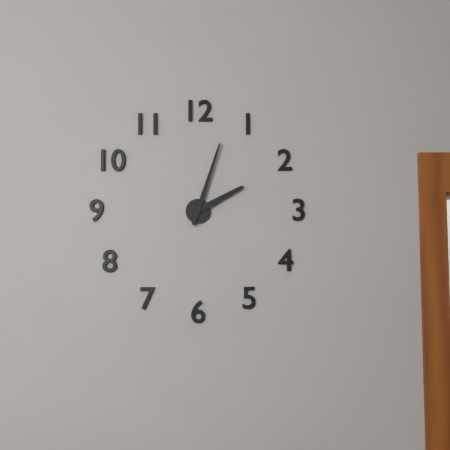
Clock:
2:03
